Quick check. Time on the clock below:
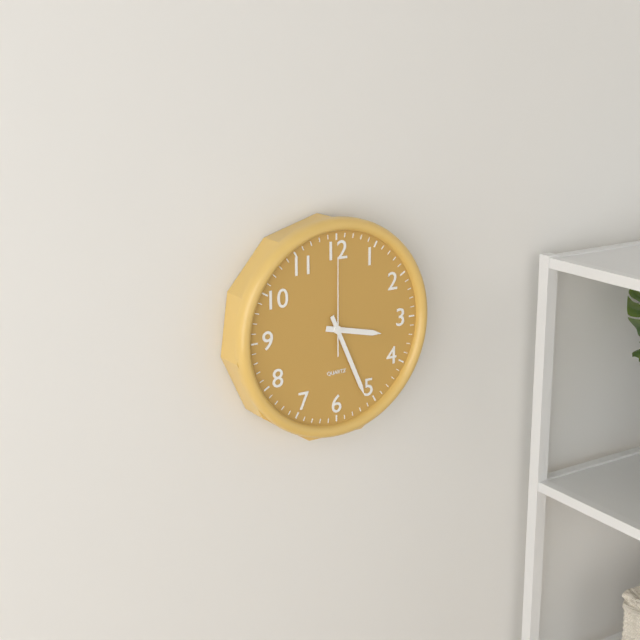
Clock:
3:26:00
